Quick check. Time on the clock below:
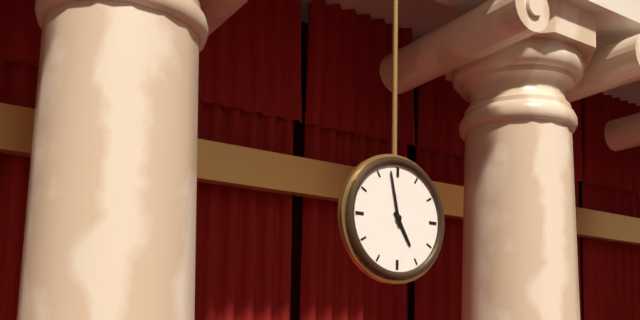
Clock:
4:58
